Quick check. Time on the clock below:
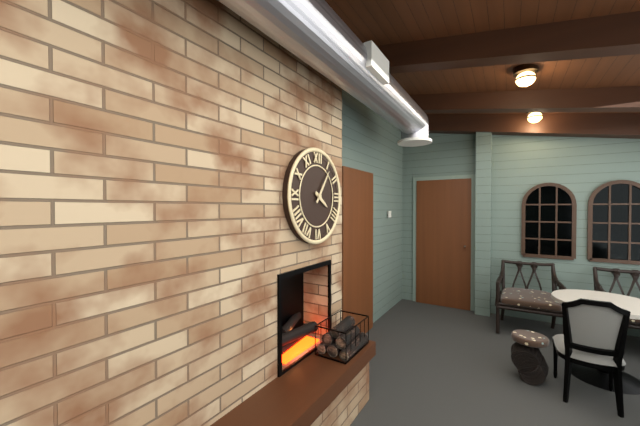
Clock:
4:06
